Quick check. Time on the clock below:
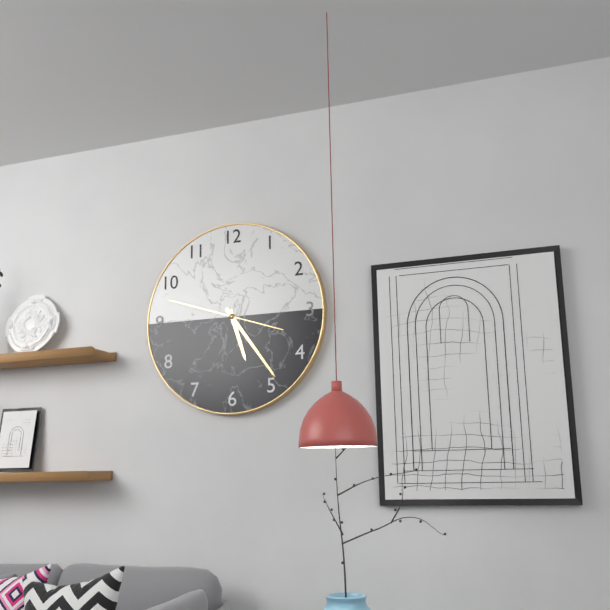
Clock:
5:24:48
